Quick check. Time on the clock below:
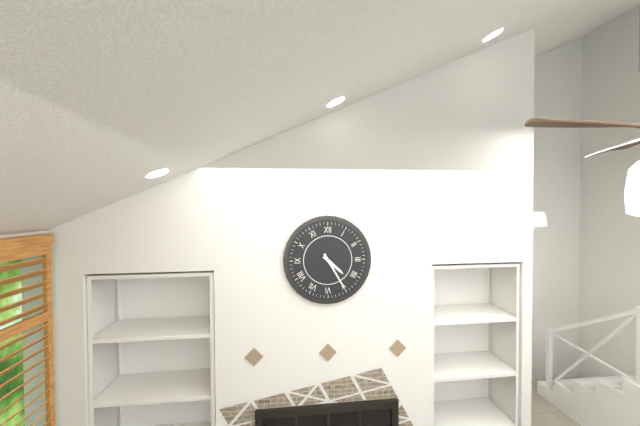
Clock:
4:25
